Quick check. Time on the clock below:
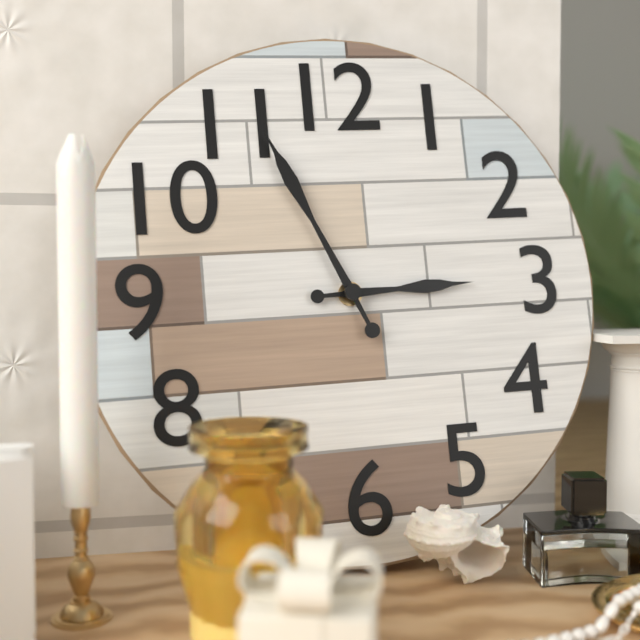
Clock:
2:56
